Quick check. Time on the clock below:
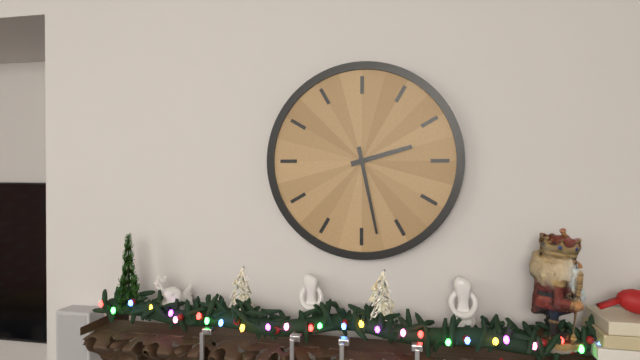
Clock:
2:28
